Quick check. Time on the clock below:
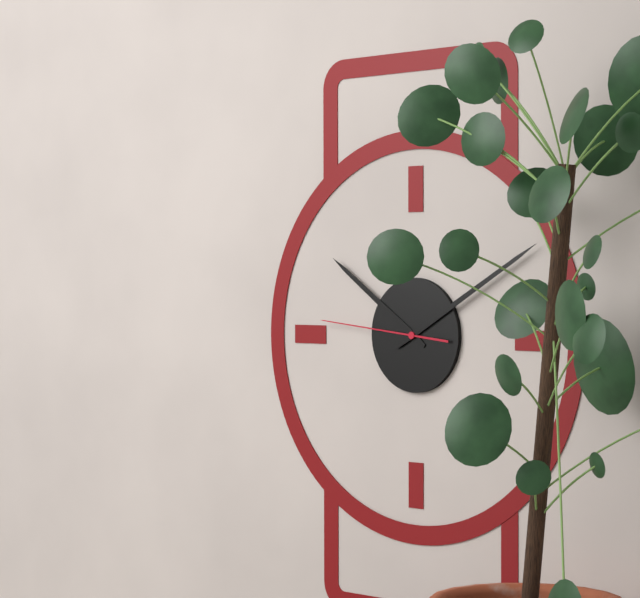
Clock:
10:10:46
